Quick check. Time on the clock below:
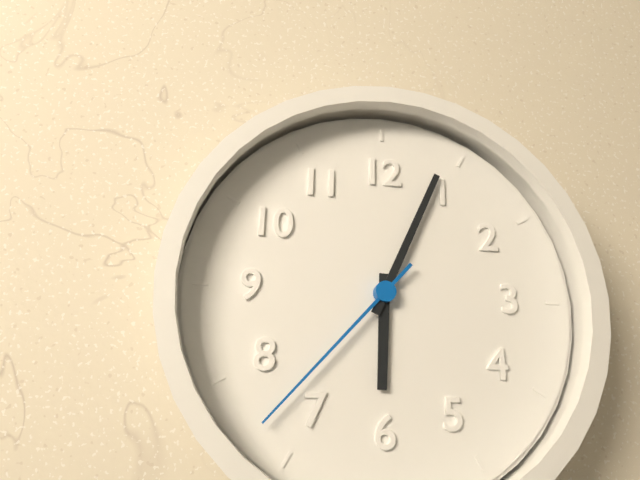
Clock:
6:04:37
